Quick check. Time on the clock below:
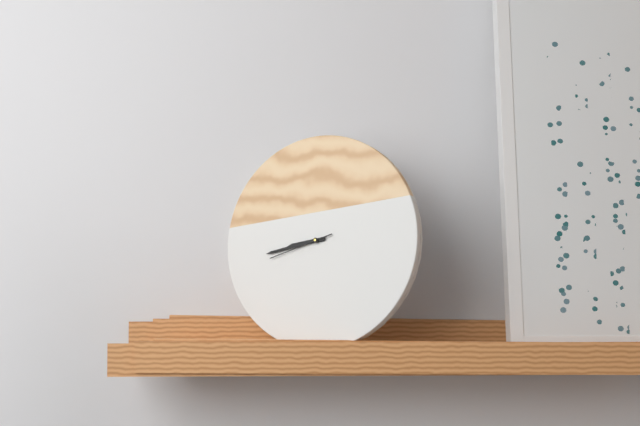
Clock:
8:43:42
